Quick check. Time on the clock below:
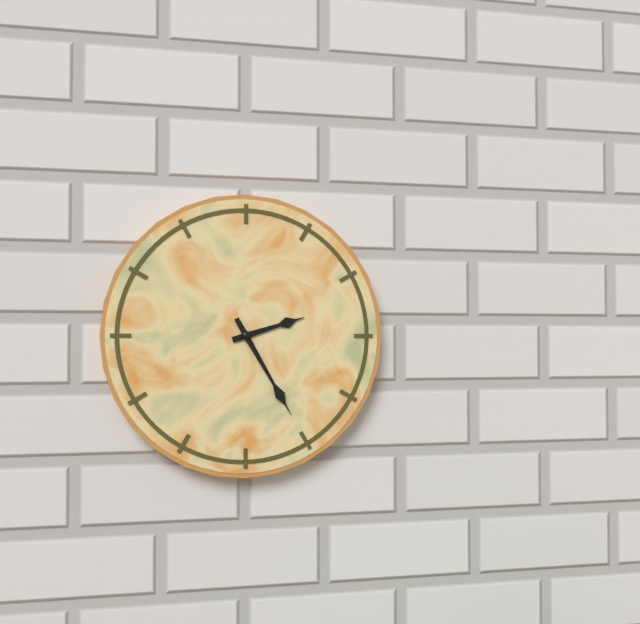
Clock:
2:25
